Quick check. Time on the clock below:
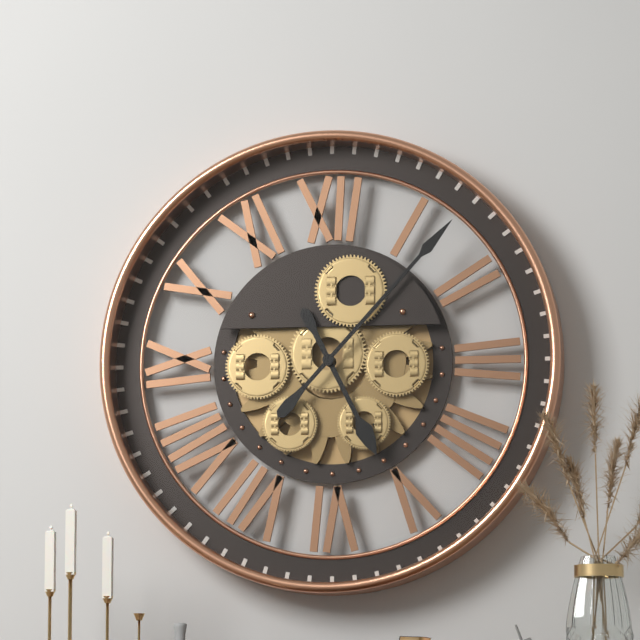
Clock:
5:07
